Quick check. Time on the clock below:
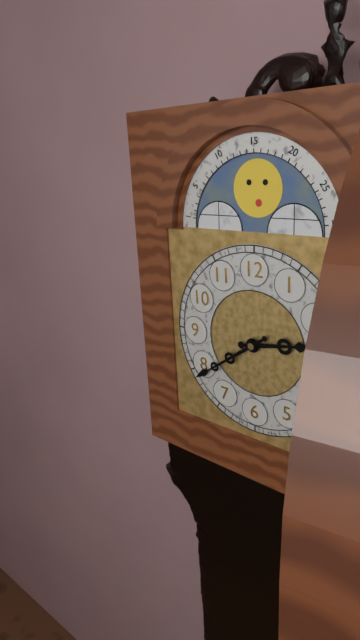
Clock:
2:39
